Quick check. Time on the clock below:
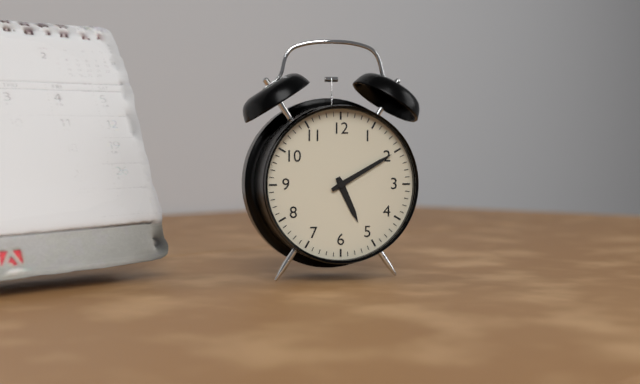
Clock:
5:10
